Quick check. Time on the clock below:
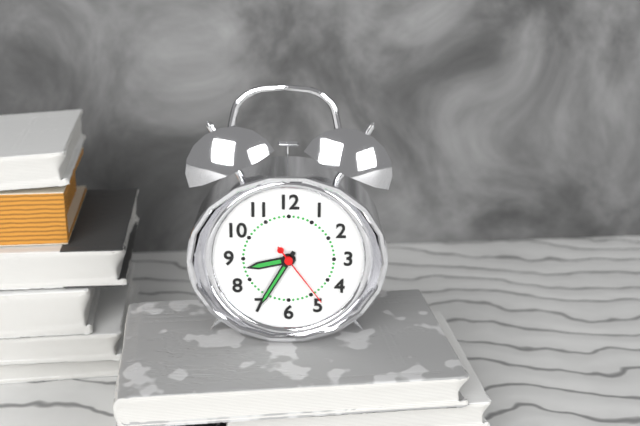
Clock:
8:35:24
